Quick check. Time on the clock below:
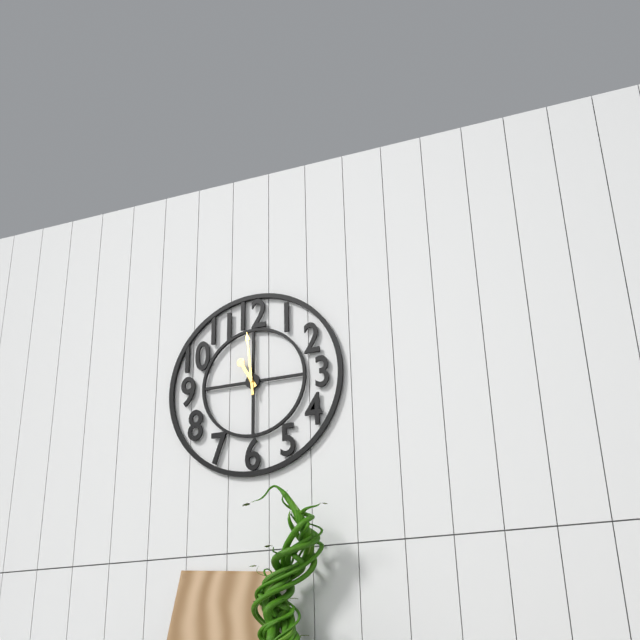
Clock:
10:59
